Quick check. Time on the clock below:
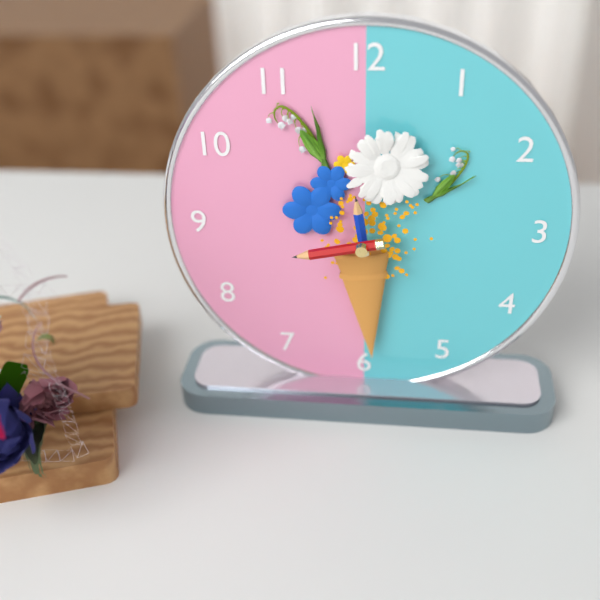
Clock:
11:43
